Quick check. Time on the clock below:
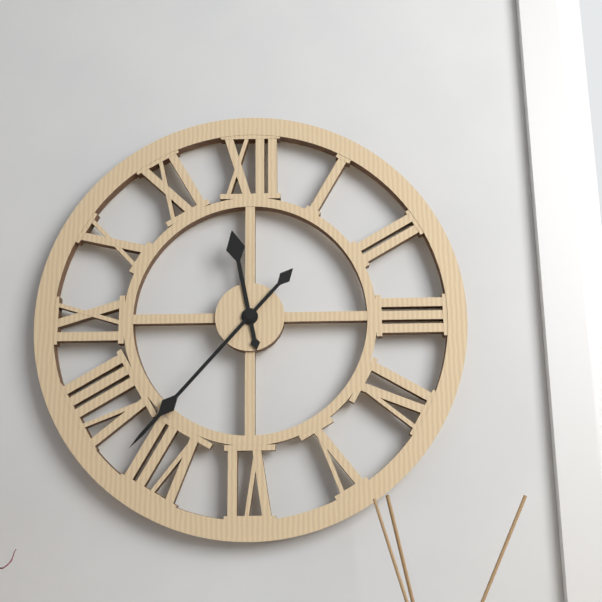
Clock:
11:37
